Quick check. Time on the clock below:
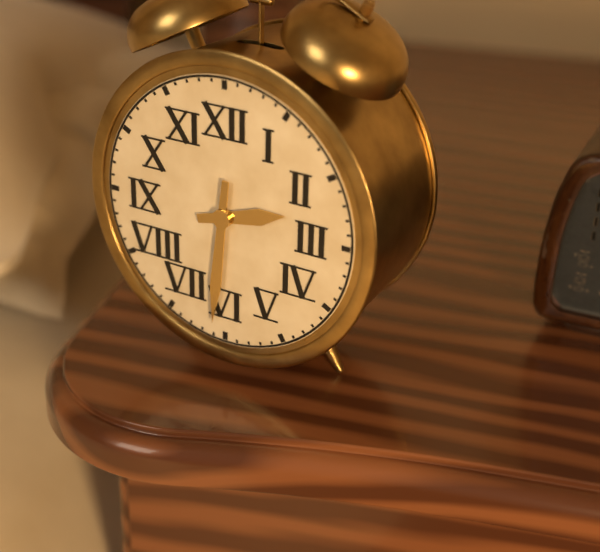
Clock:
2:31
